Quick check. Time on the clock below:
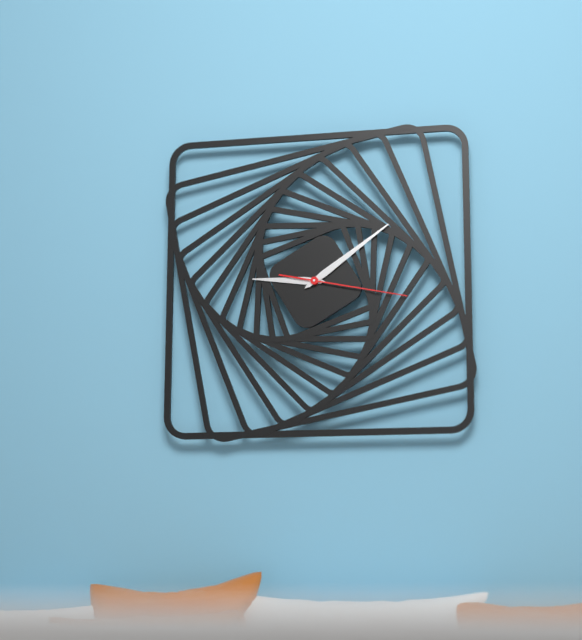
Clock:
9:09:17
